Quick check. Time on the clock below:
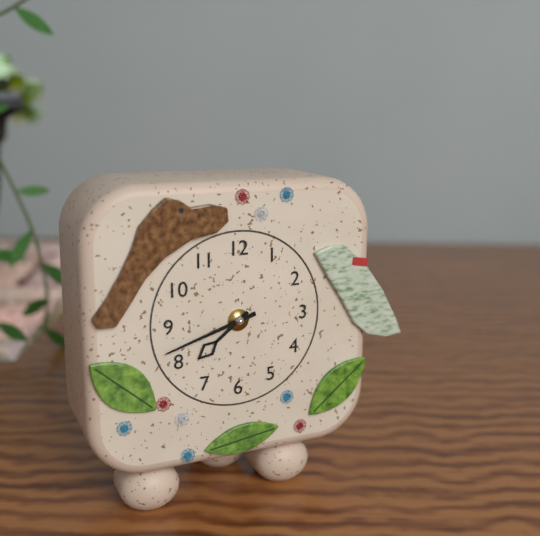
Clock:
7:42
